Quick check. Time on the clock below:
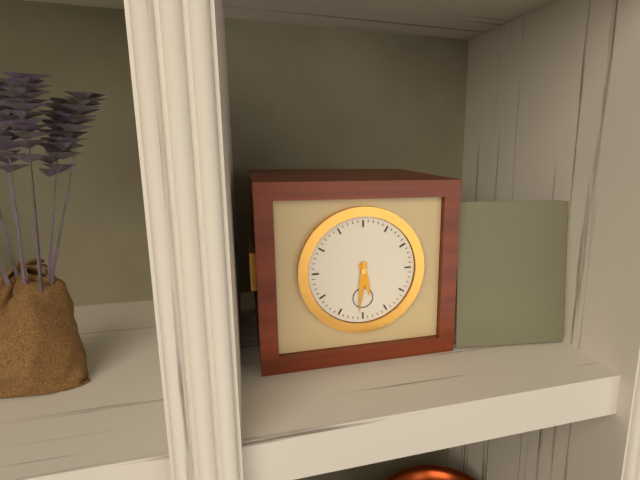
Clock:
5:31
